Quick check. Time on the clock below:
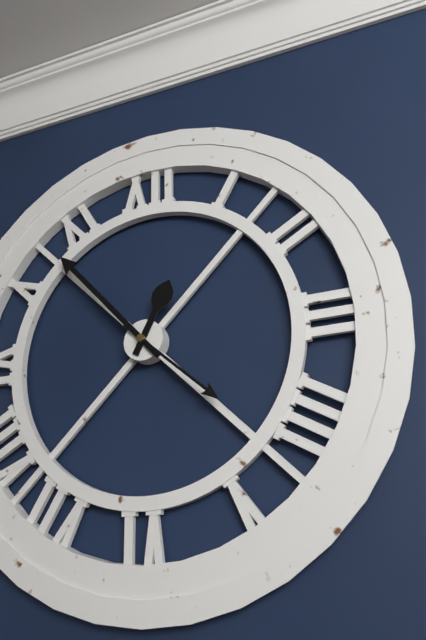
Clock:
12:53:22
